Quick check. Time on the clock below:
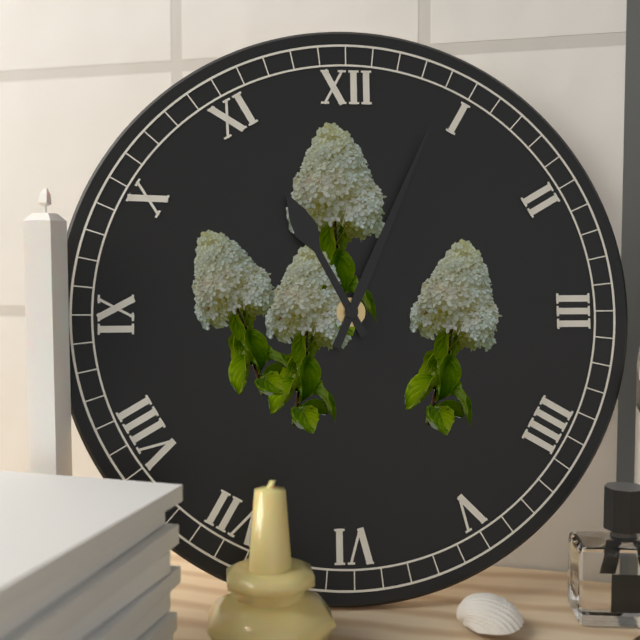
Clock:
11:04
